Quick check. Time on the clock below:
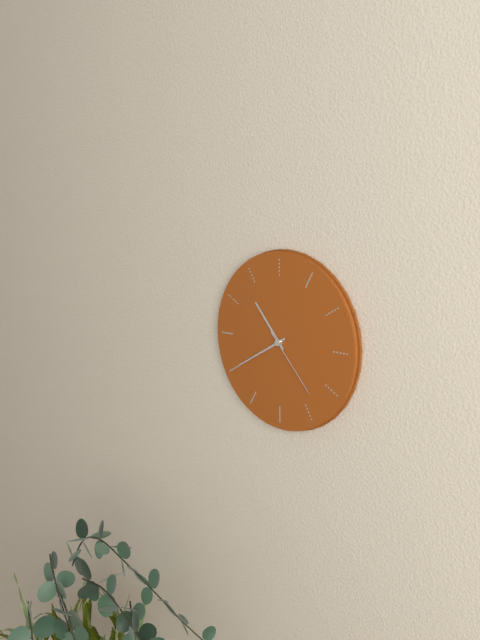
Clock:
10:40:23
